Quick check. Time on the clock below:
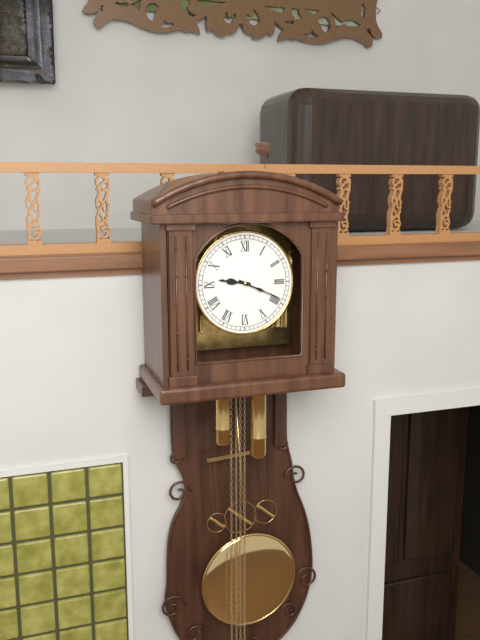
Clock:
9:19
